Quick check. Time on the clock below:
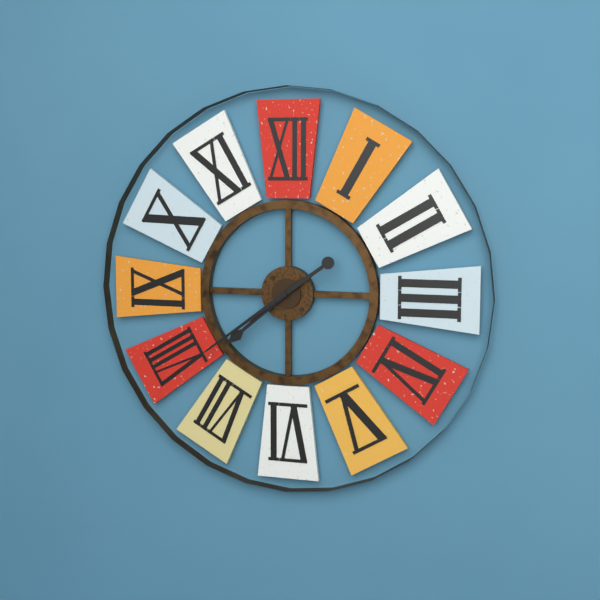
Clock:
7:39
